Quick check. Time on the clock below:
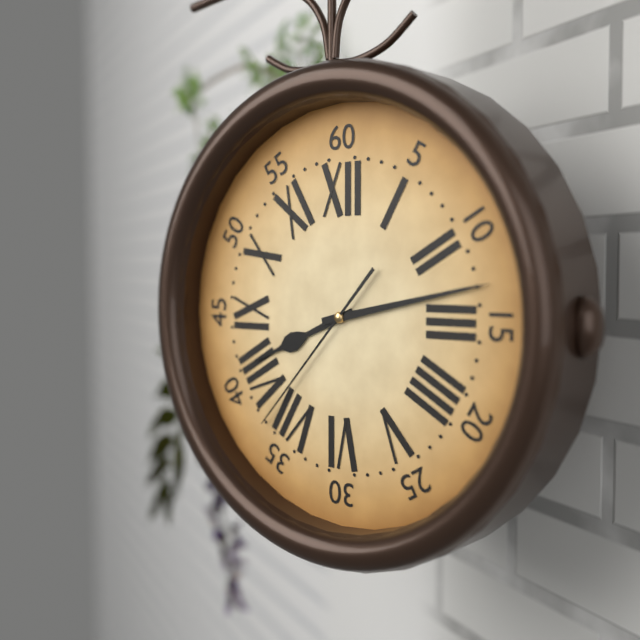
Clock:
8:13:37
